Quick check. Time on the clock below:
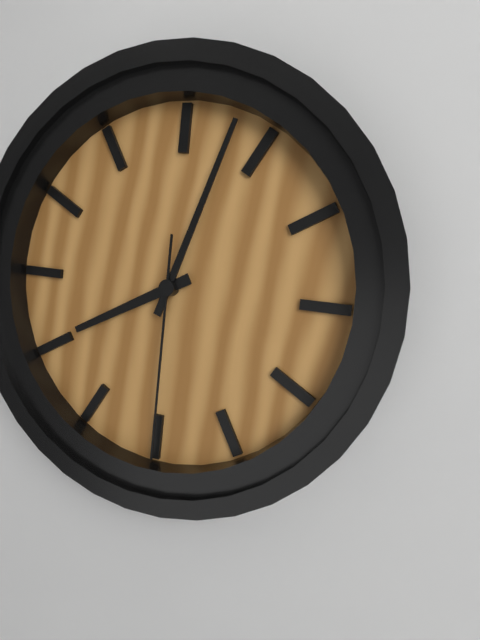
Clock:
8:03:30
